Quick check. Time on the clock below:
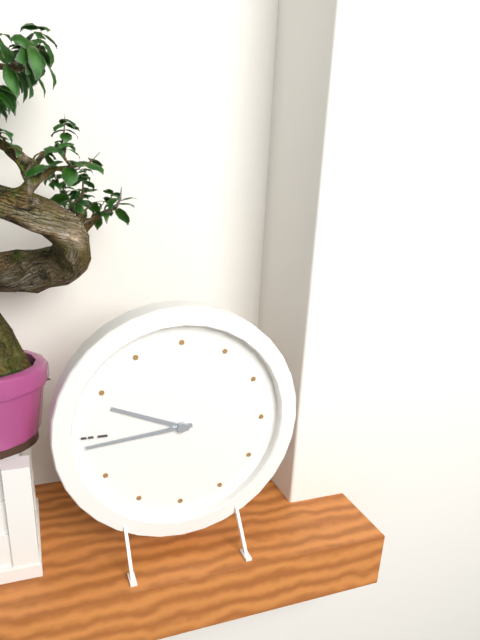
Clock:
9:44
